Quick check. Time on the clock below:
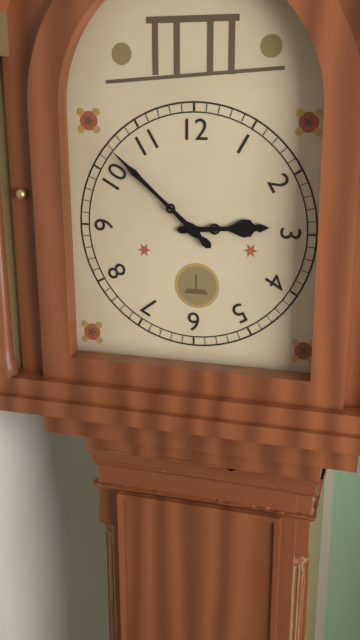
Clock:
2:52
